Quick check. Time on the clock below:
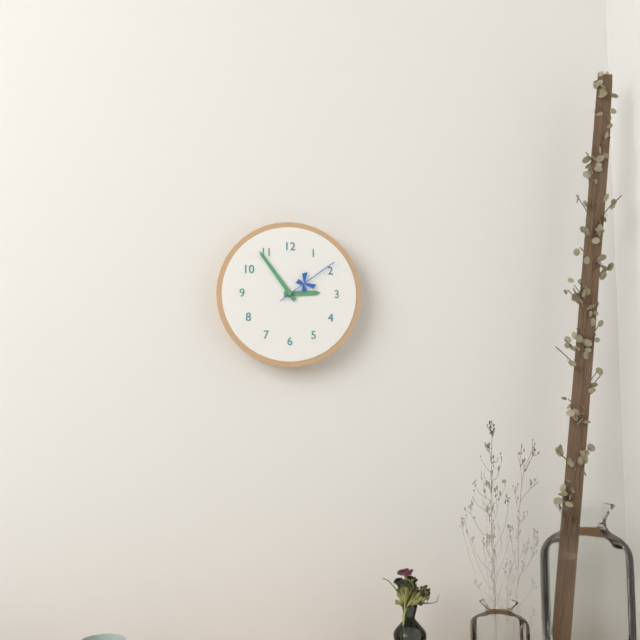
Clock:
2:54:09
